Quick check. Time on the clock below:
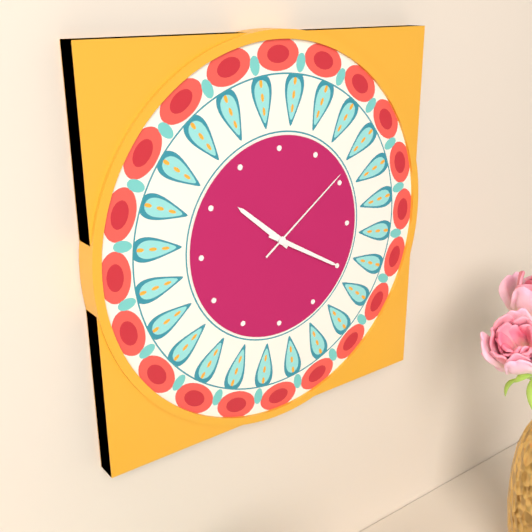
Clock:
10:20:09
